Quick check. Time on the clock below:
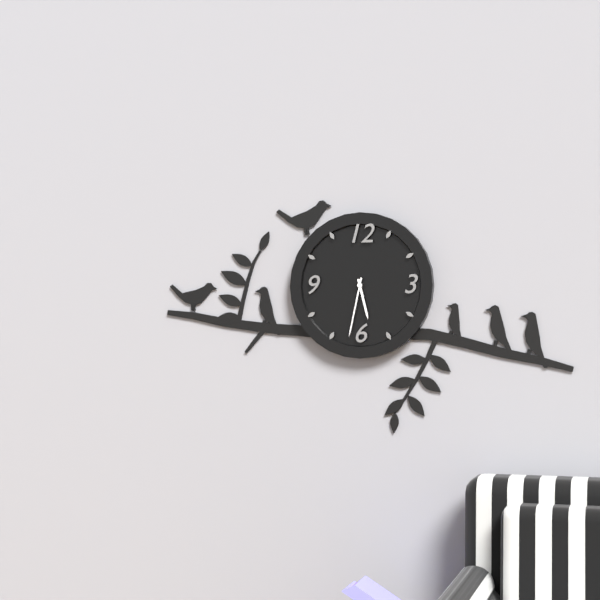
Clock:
5:32
